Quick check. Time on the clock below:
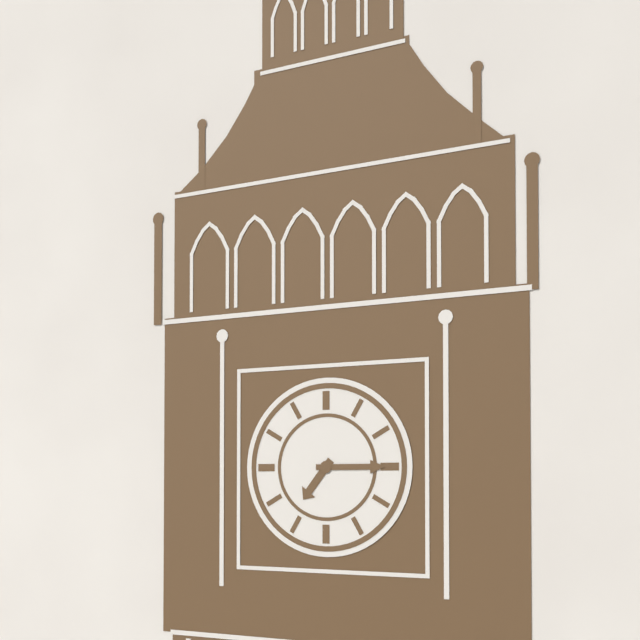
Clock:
7:15
